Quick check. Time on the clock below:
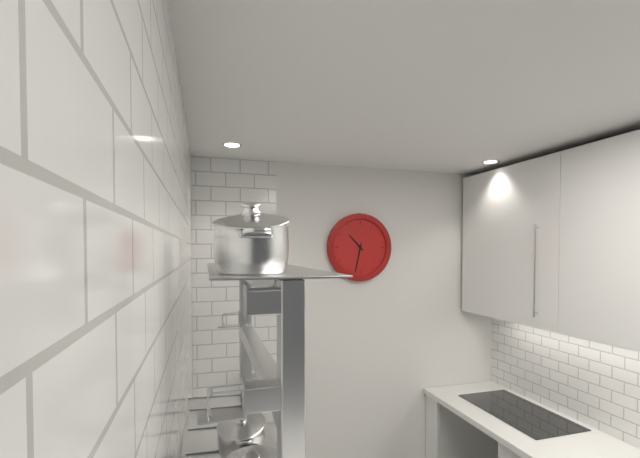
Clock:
10:32
